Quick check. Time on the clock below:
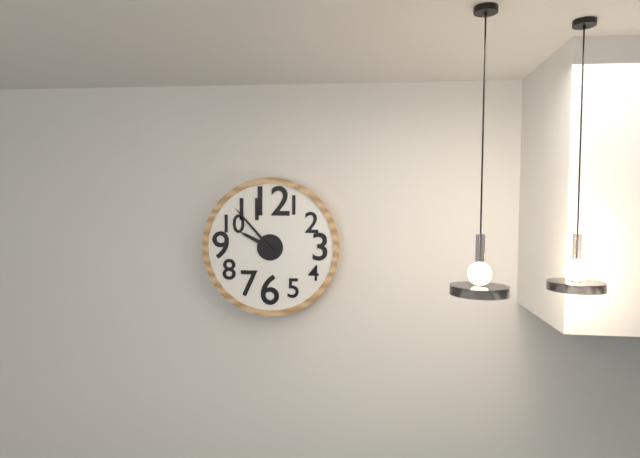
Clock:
9:53
